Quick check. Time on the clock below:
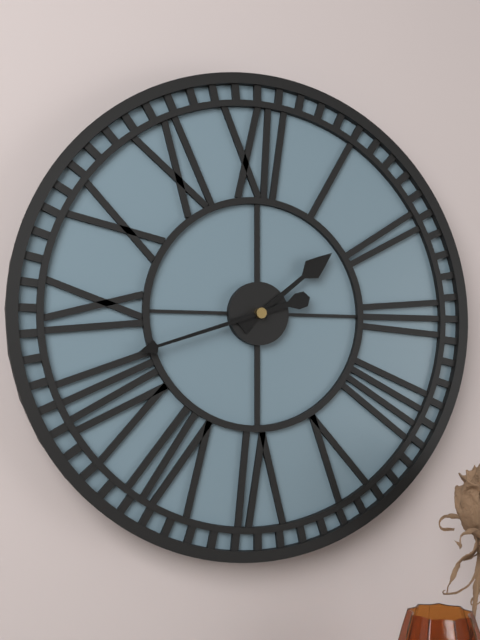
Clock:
1:42
